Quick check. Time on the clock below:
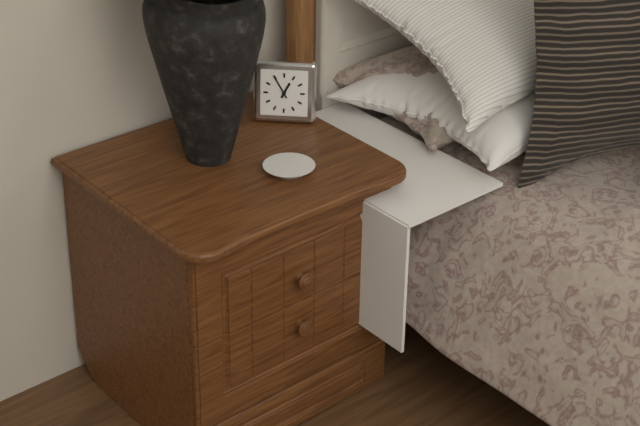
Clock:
12:55
